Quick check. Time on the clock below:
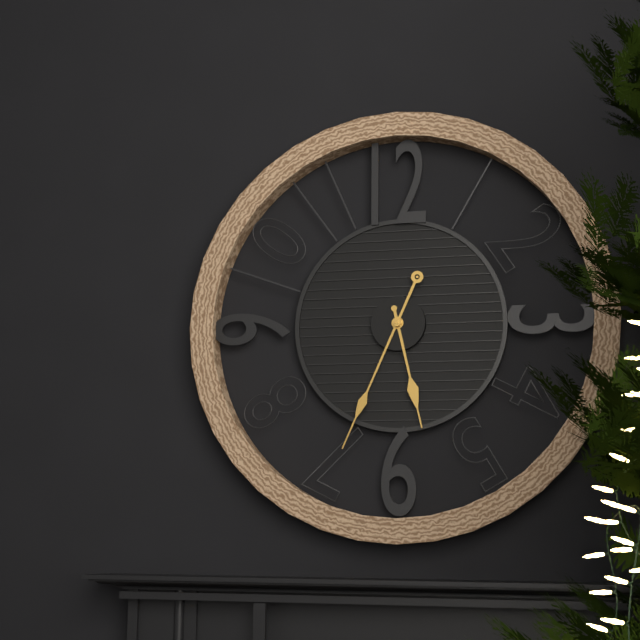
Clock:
5:34
